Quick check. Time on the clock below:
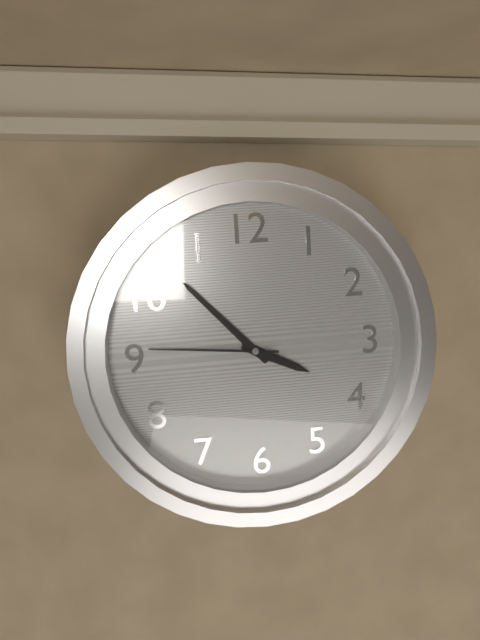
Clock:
3:53:46
